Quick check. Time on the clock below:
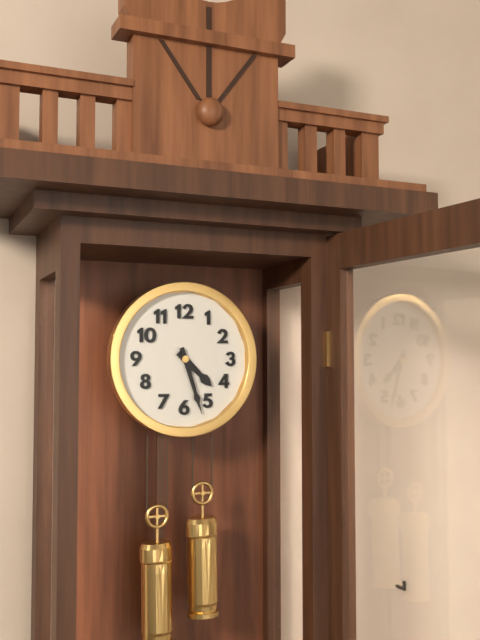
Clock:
4:27
